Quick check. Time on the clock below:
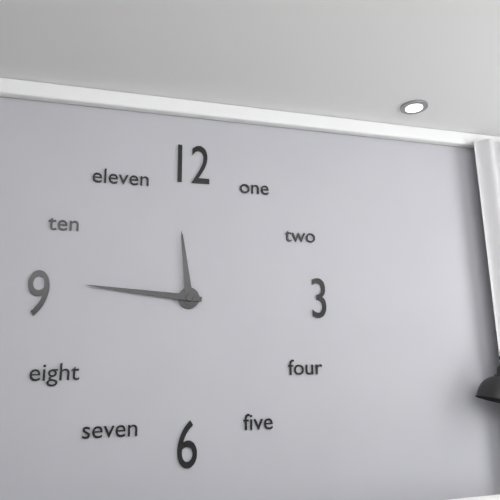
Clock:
11:46
